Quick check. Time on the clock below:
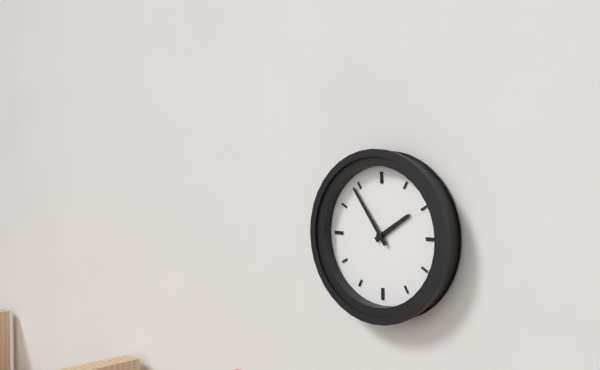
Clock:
1:54
